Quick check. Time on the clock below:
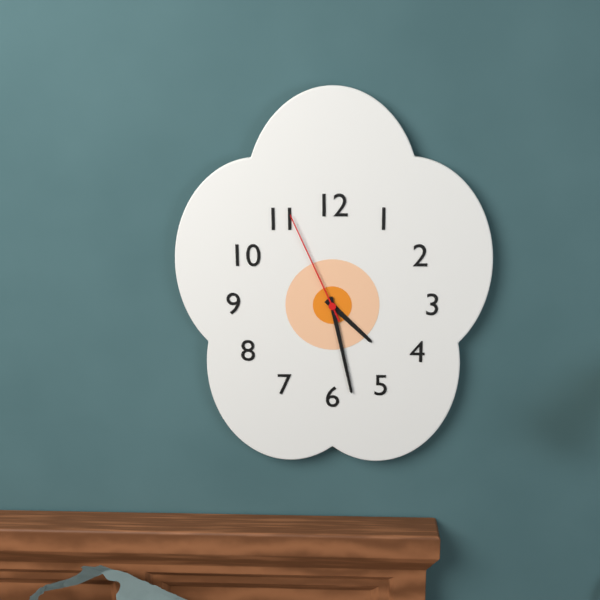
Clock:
4:28:56
